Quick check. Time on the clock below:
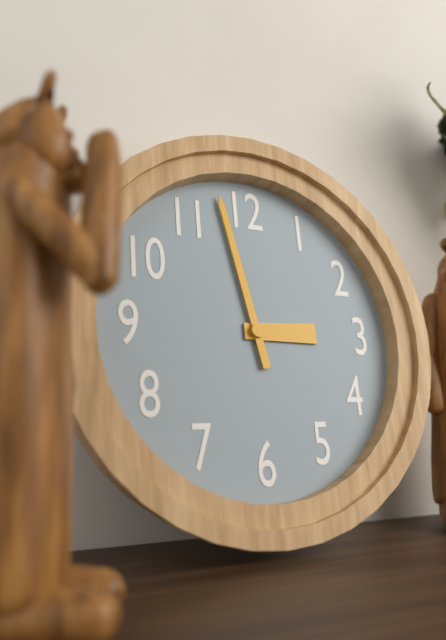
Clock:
2:58
